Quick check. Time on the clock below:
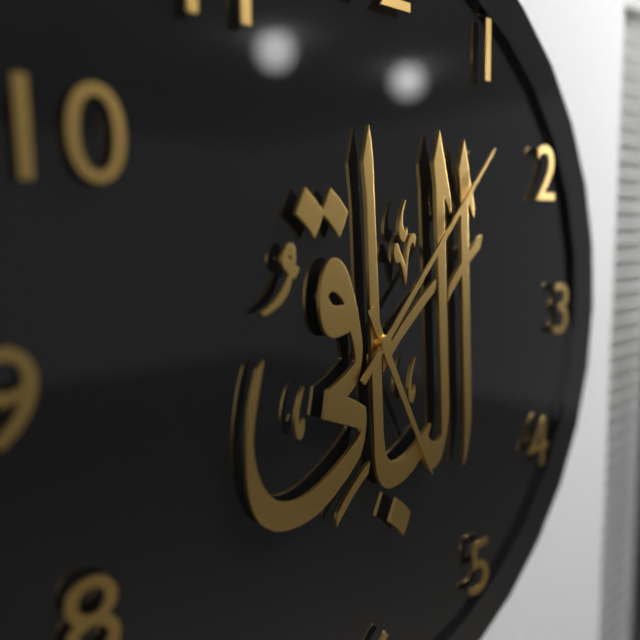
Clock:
5:07
